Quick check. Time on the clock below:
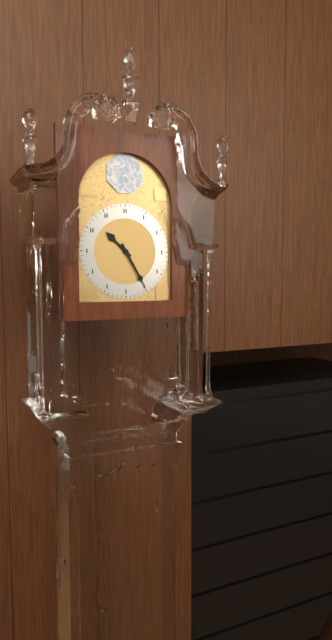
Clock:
10:25
